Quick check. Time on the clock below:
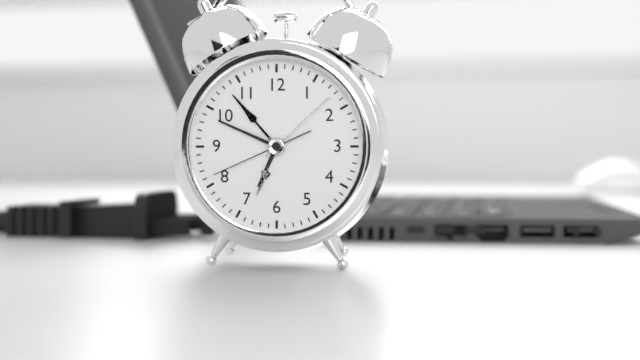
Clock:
6:49:41
